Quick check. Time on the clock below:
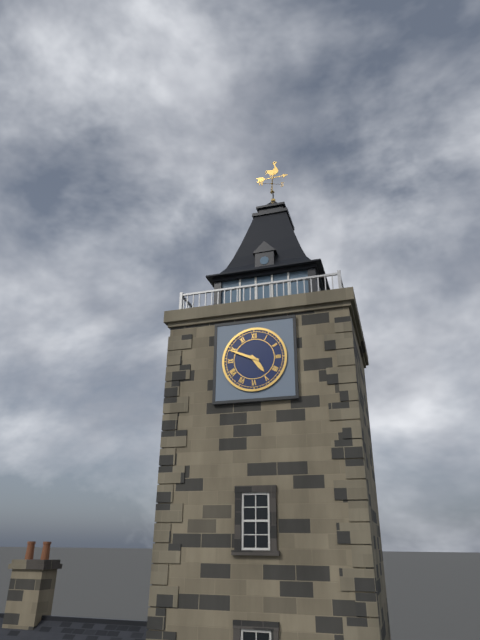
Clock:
4:49
